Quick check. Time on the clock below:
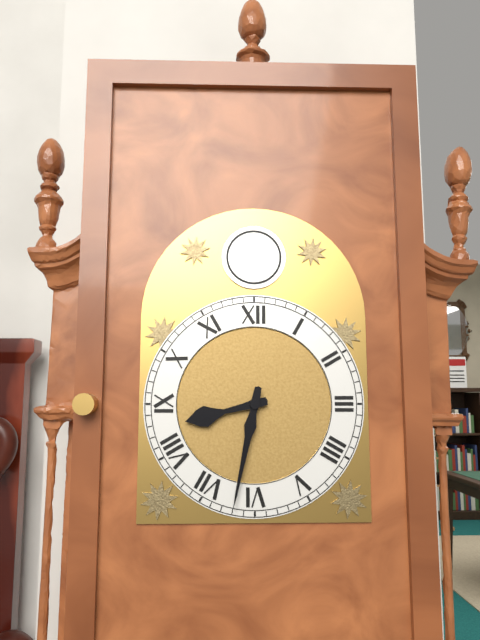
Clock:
8:32
